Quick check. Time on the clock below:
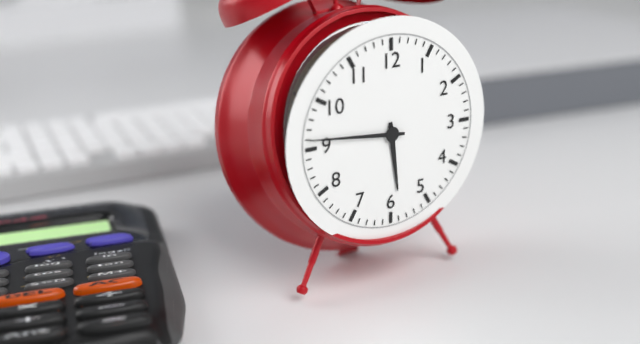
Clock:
5:46
